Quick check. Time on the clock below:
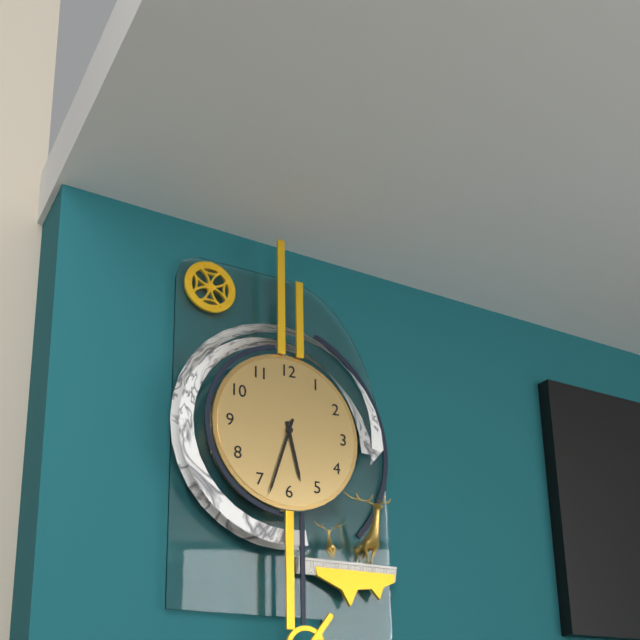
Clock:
5:33
